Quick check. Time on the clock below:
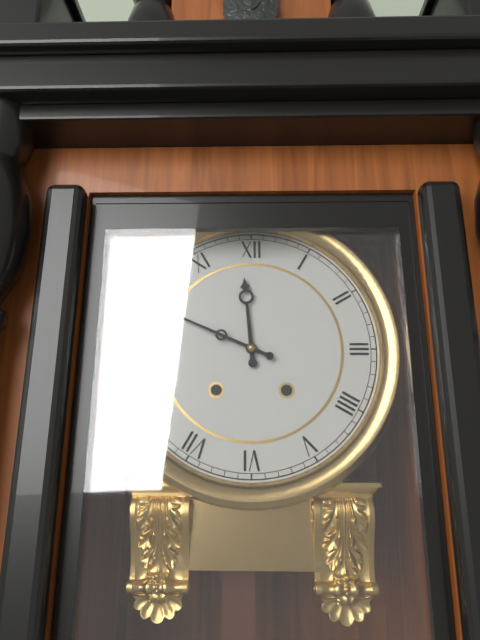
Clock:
11:49
